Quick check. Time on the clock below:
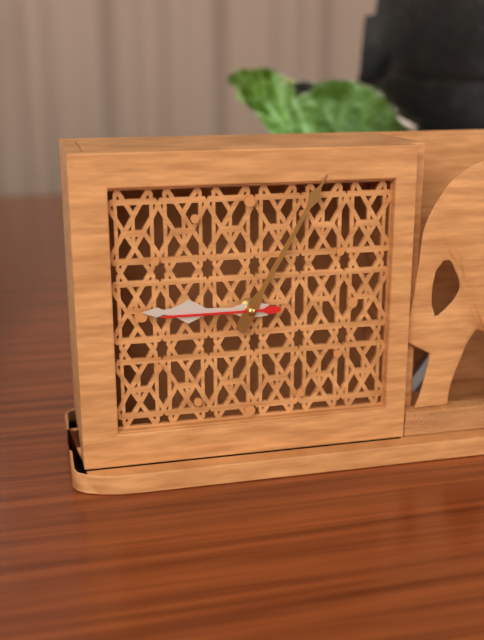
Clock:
9:05:45
